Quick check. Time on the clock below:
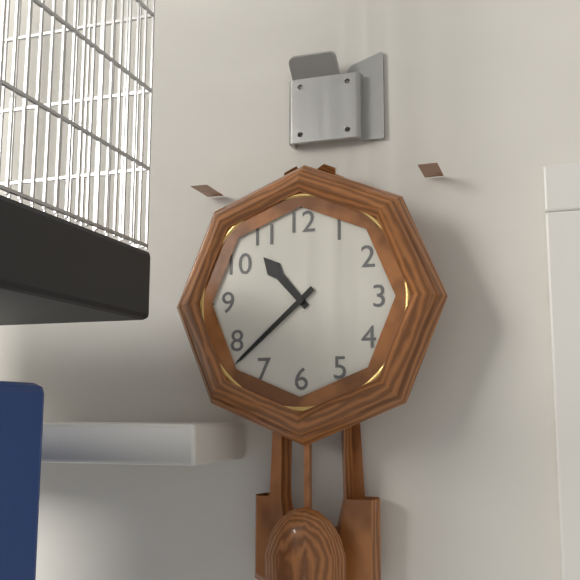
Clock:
10:38
